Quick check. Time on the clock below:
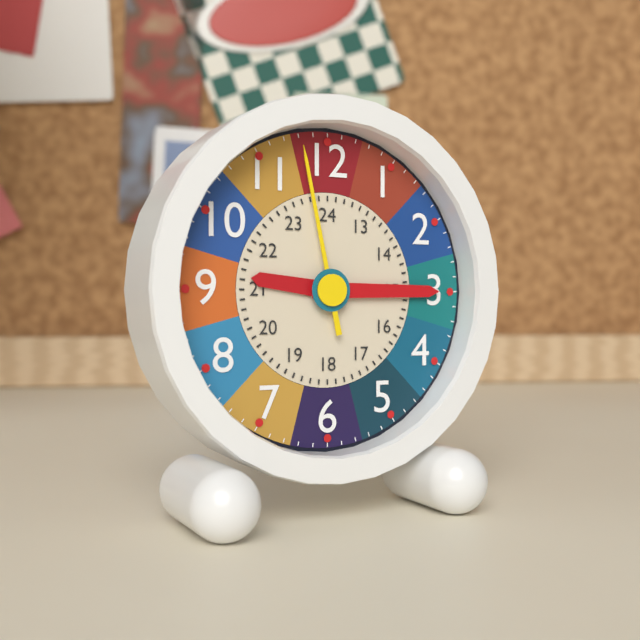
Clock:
9:15:58
